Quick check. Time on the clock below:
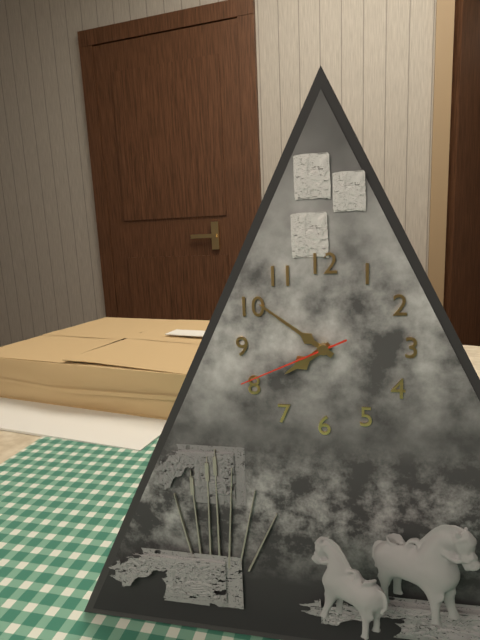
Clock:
7:51:41
